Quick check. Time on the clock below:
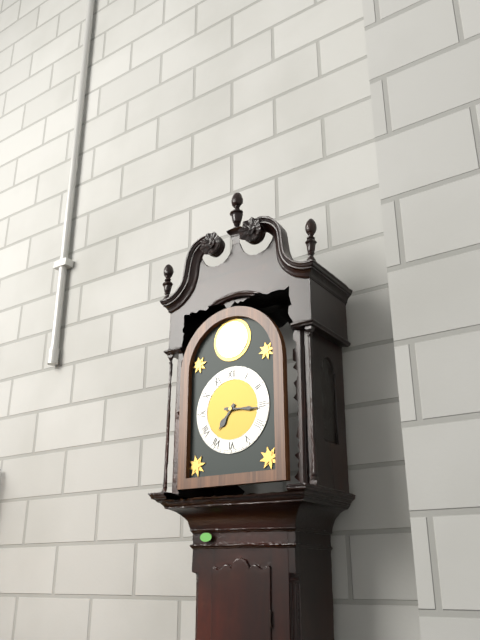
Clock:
7:16
